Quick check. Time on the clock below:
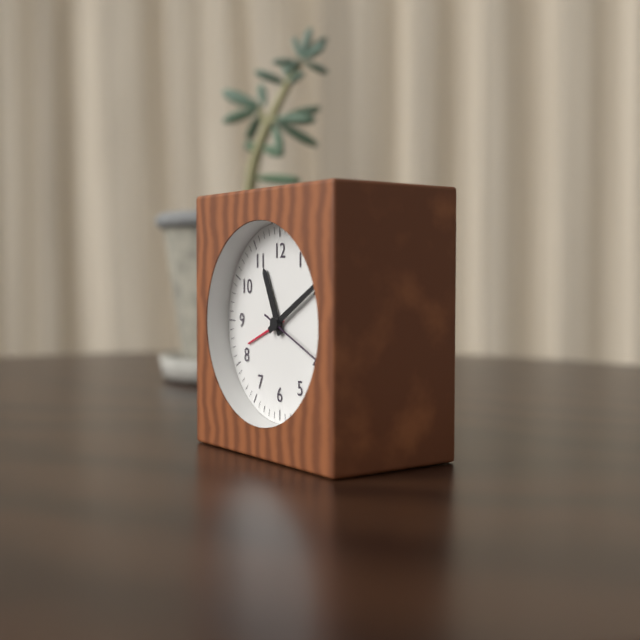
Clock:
11:10:19
